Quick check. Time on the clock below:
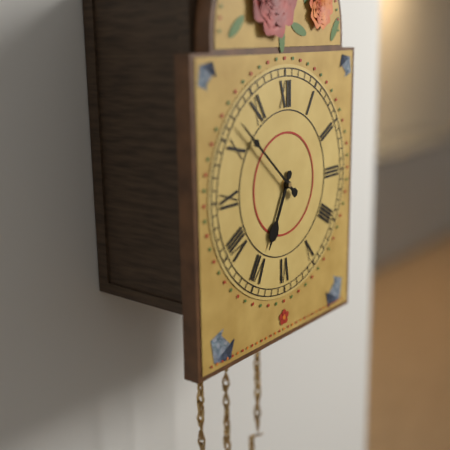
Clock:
6:52
